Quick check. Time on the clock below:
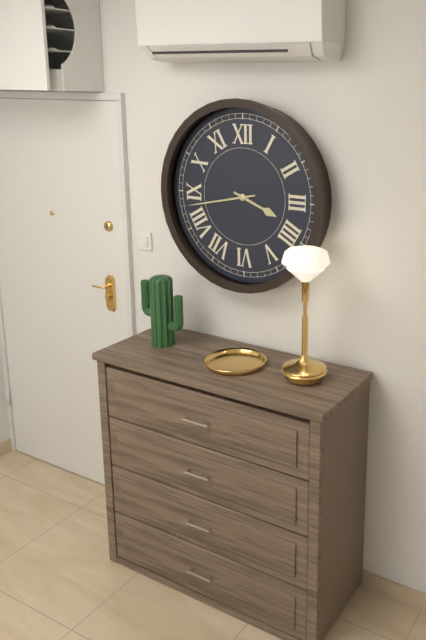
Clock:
3:43
